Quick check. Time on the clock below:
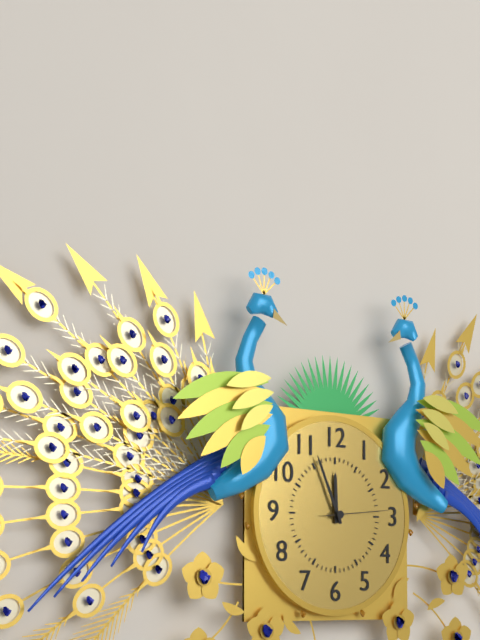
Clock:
11:56:14
